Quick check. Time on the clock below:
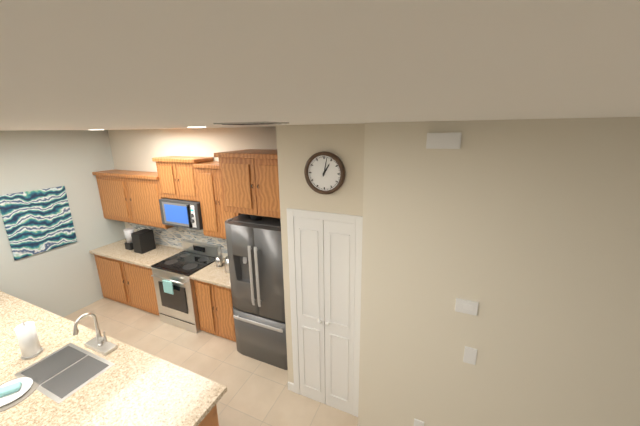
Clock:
1:02
